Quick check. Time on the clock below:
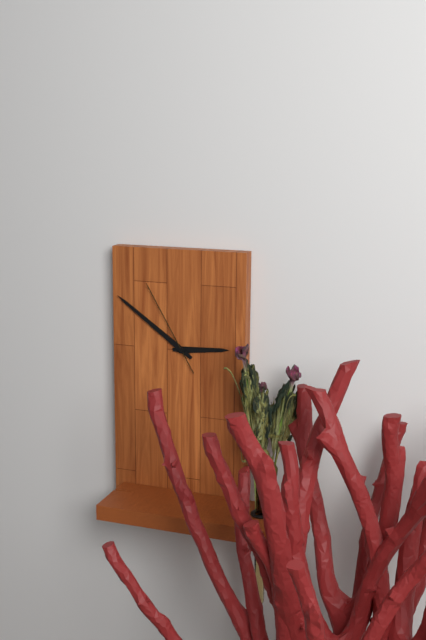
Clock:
2:51:55
